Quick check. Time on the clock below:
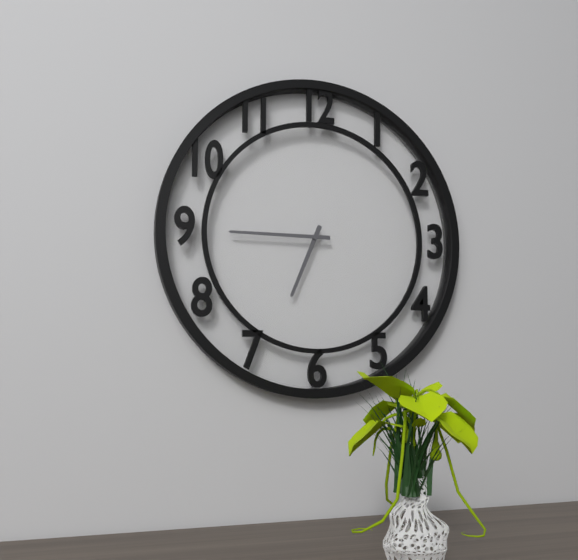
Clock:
6:45
